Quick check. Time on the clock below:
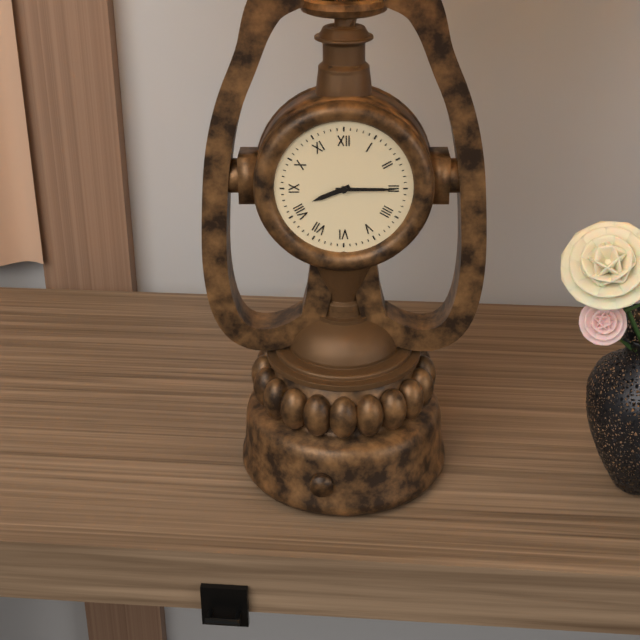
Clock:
8:15
